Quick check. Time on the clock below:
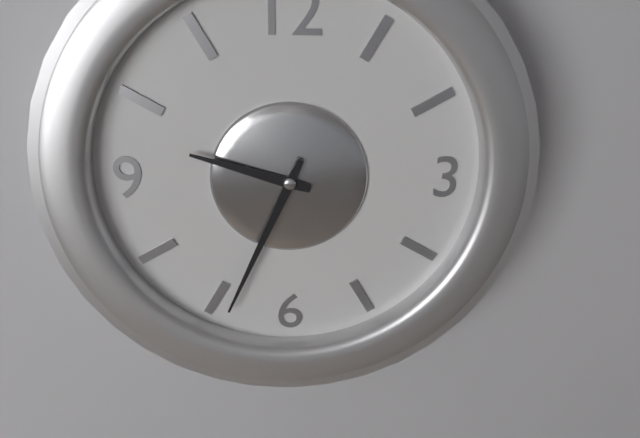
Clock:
9:34
